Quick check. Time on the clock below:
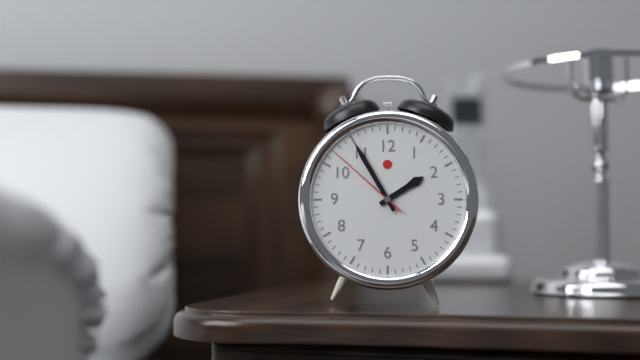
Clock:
1:55:52
